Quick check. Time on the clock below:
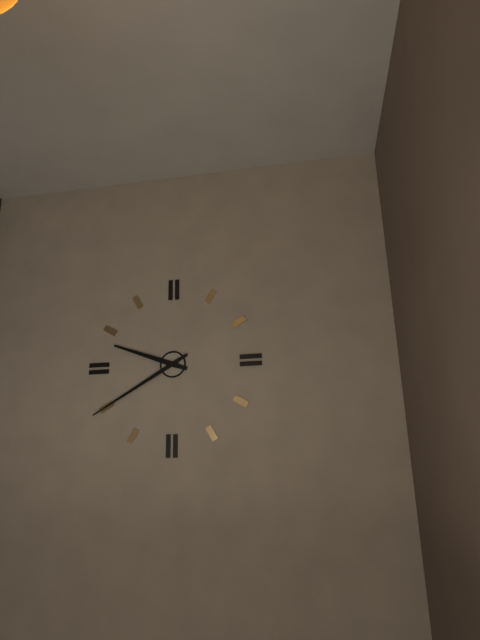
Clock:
9:40
